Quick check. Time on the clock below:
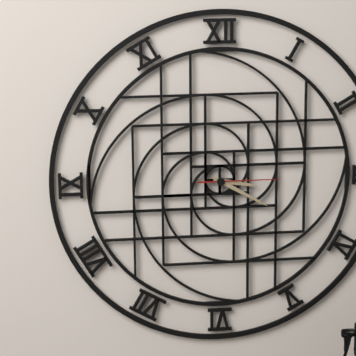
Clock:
3:20:15
